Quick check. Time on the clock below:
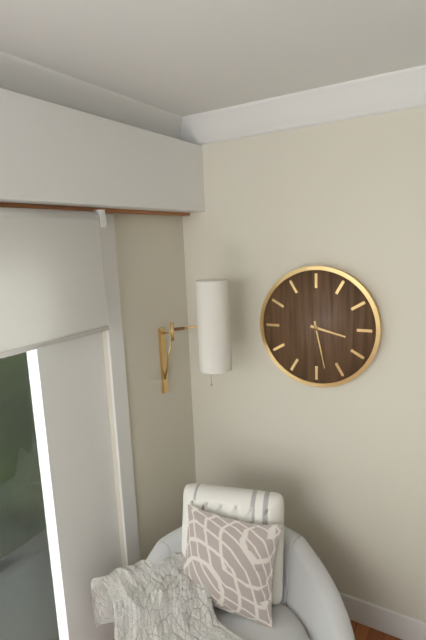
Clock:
3:28
